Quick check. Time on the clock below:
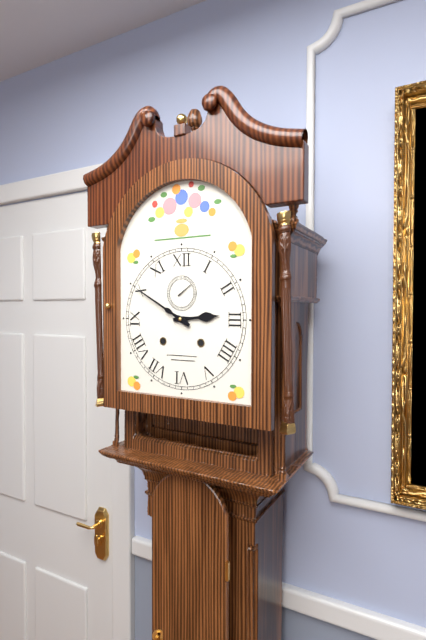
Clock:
2:50
